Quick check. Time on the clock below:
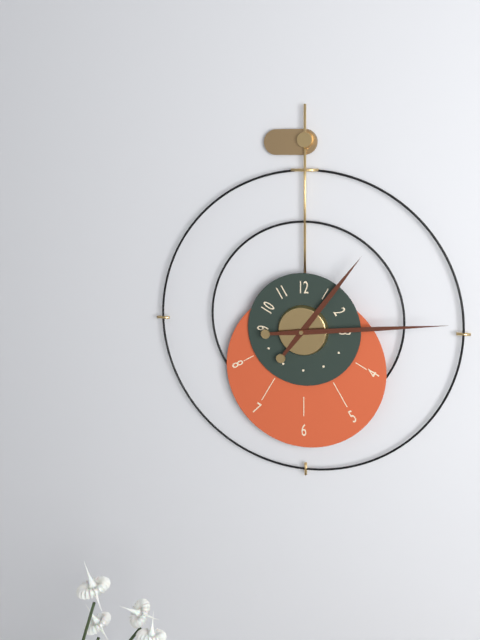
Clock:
1:14
